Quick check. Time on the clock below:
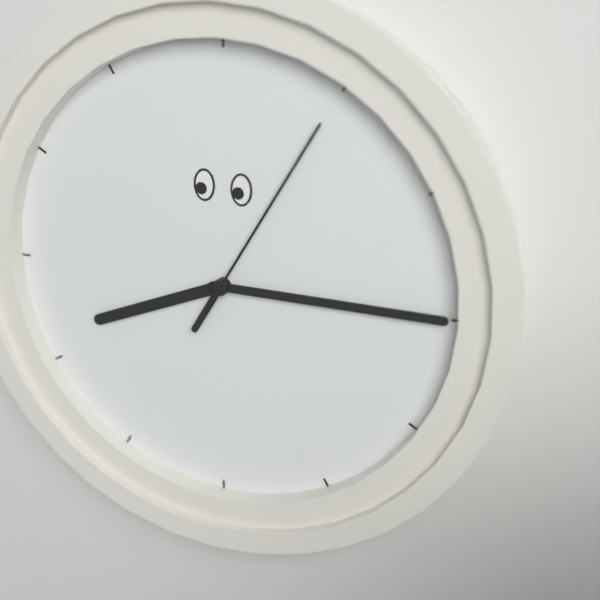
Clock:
8:15:05
